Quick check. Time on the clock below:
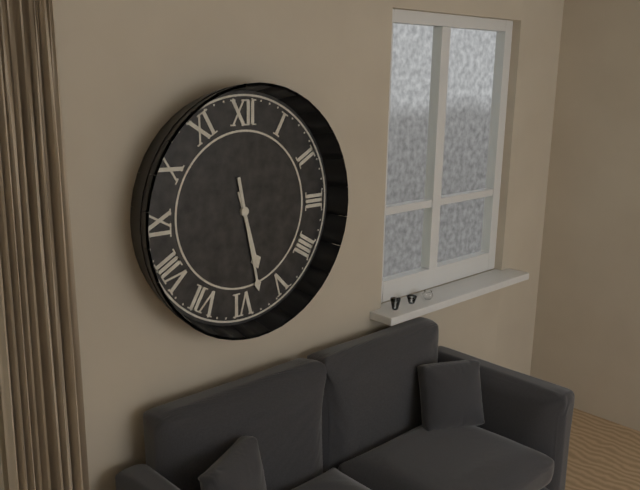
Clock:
5:28
